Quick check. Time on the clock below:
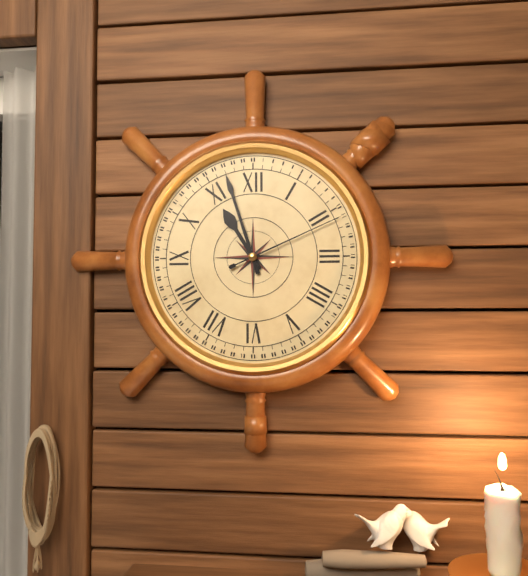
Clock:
10:57:11
